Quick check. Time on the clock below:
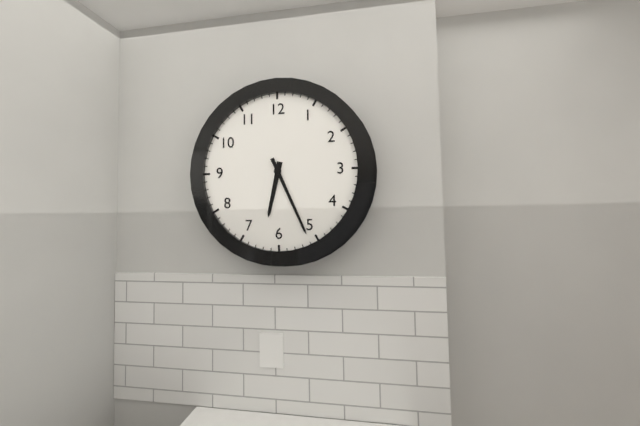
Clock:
6:26
